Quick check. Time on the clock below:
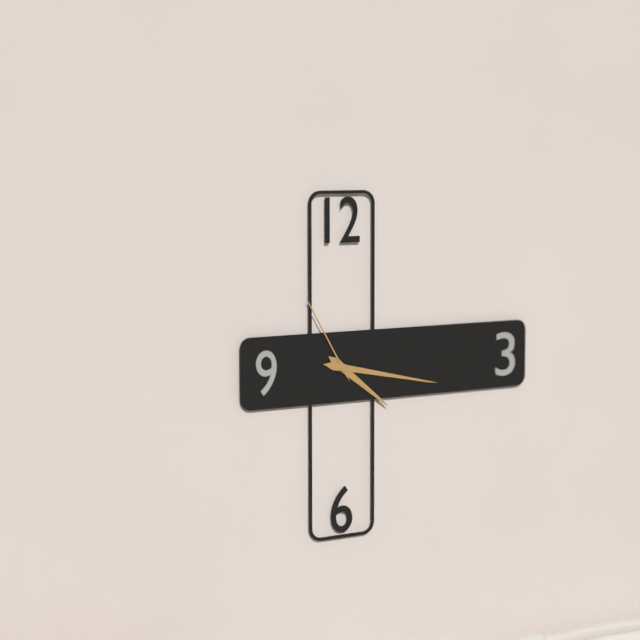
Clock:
4:17:55
